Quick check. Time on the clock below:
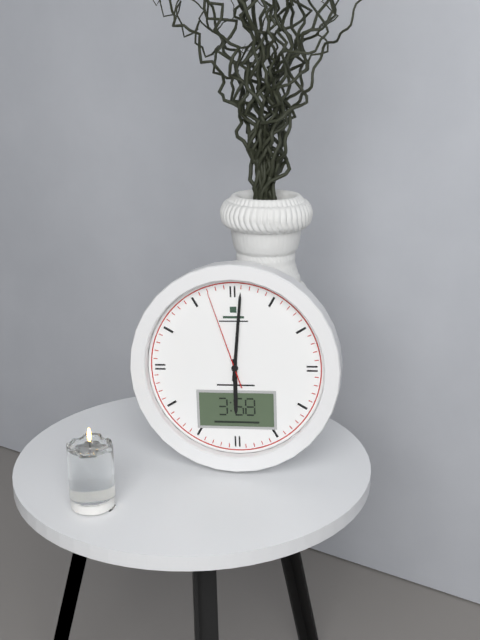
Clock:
6:01:57
